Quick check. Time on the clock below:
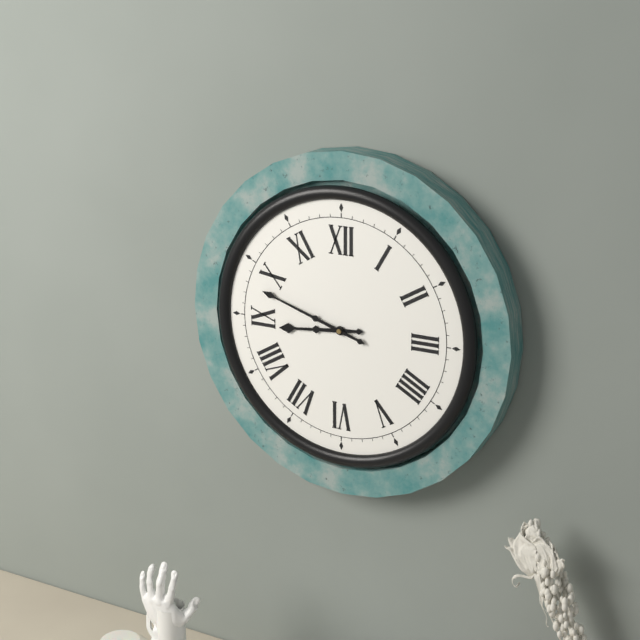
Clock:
8:48
